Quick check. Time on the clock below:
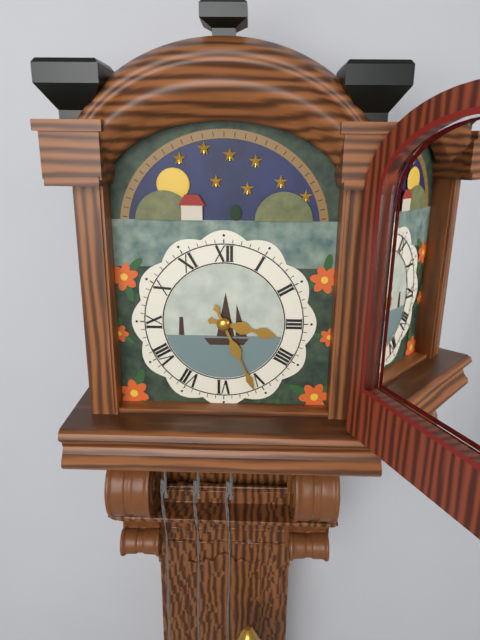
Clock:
3:26
